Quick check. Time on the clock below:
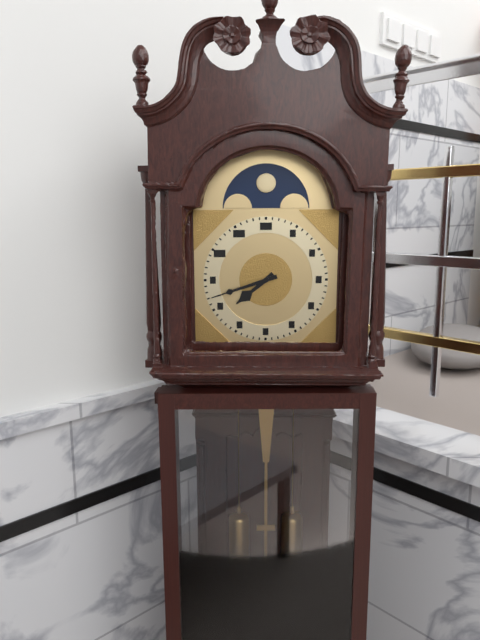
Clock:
7:42
